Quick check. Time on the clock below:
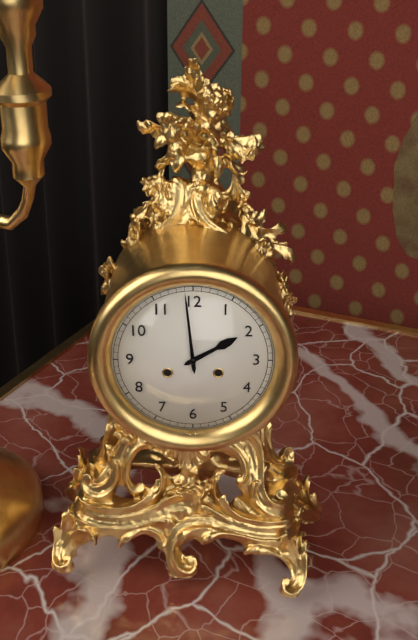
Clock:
1:59
